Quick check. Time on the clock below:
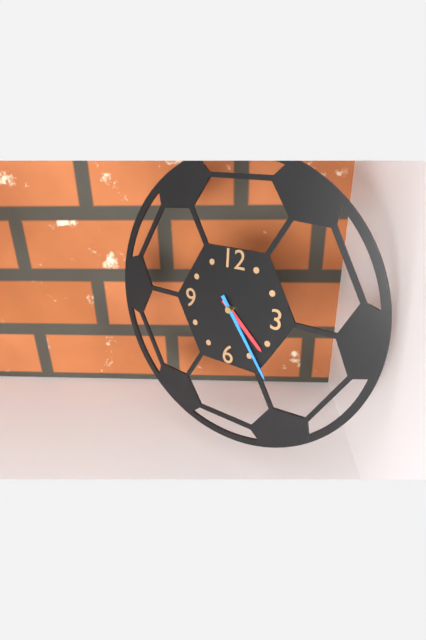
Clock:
4:24
